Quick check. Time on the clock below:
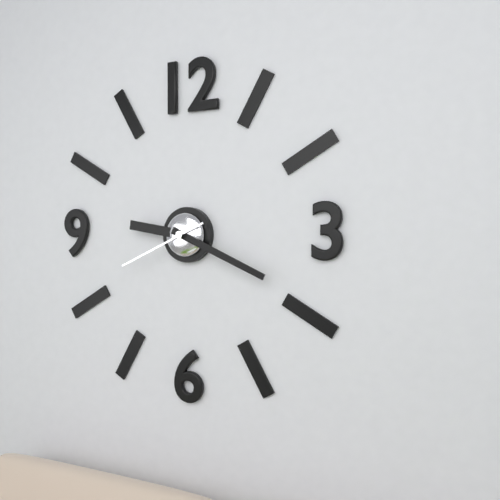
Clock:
9:19:41
